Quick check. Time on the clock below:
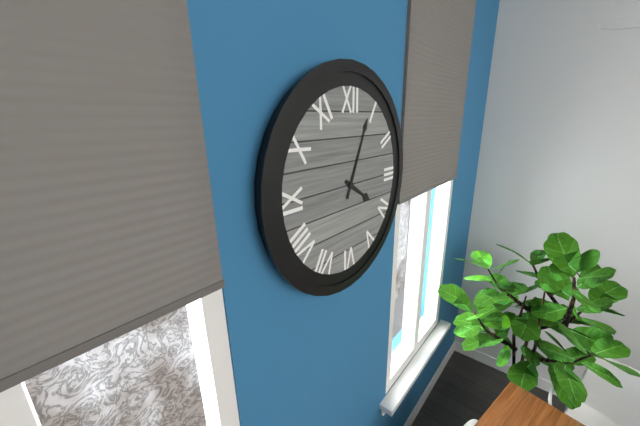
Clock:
4:04
